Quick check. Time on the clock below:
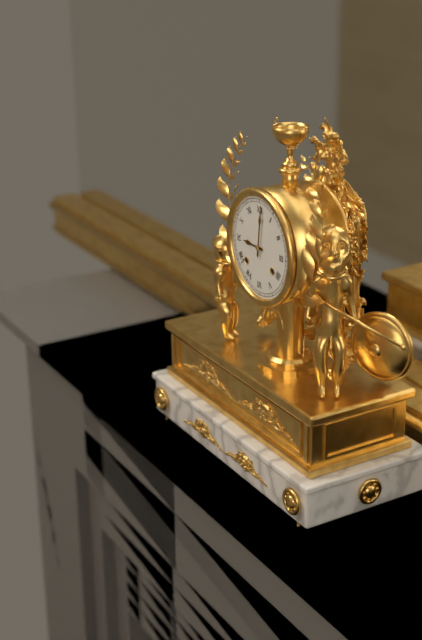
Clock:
9:01
